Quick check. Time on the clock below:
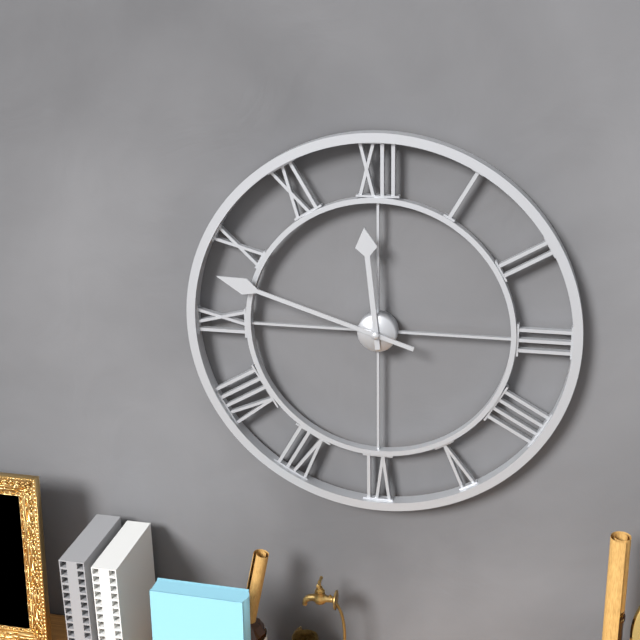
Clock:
11:48
